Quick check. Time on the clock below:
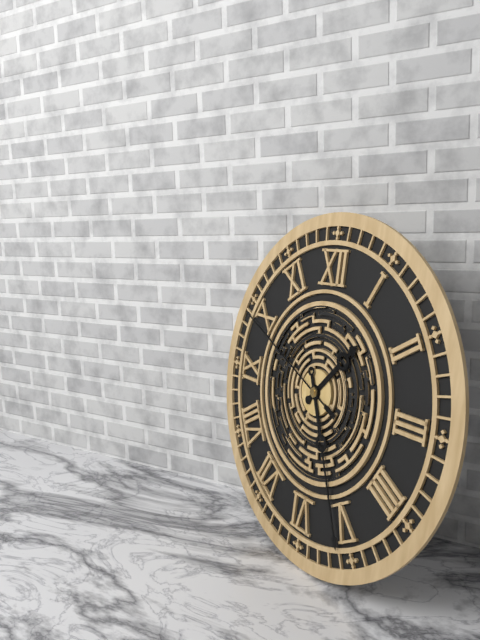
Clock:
1:26:49
